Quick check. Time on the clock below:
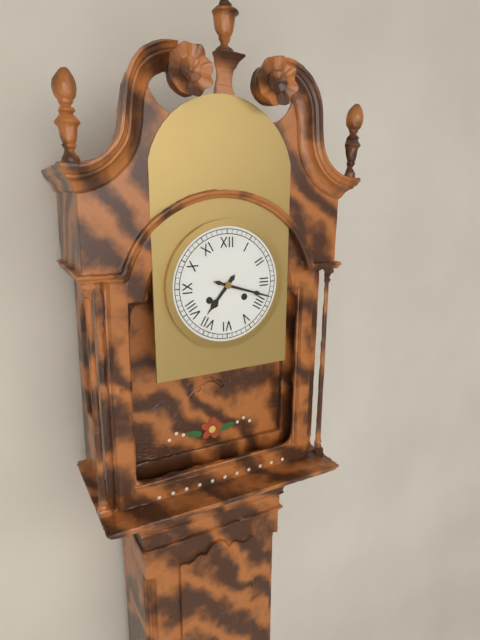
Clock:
7:18
